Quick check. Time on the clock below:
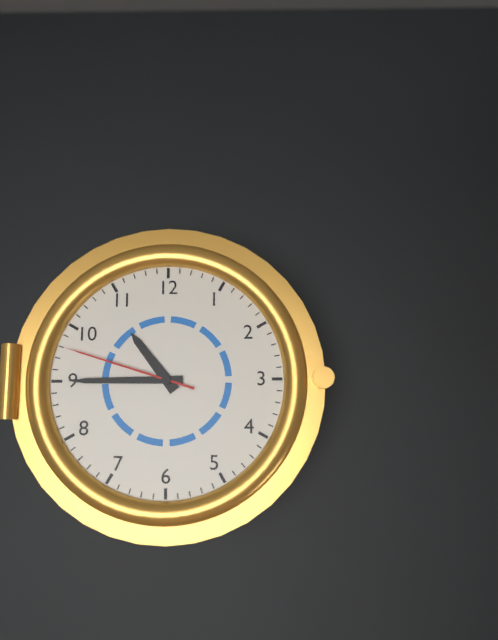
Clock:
10:45:48
